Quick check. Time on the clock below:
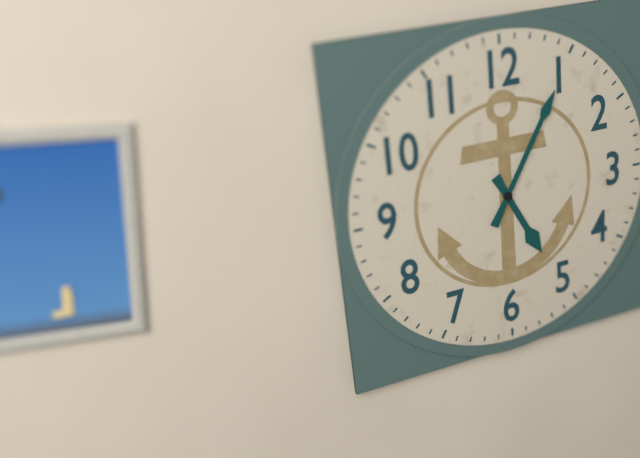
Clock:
5:05
